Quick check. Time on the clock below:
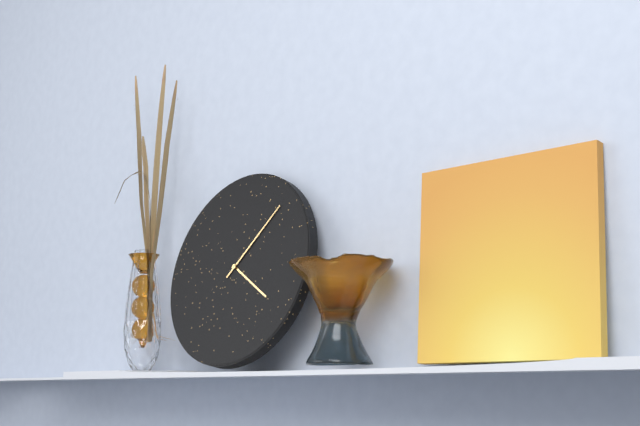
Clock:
4:07
